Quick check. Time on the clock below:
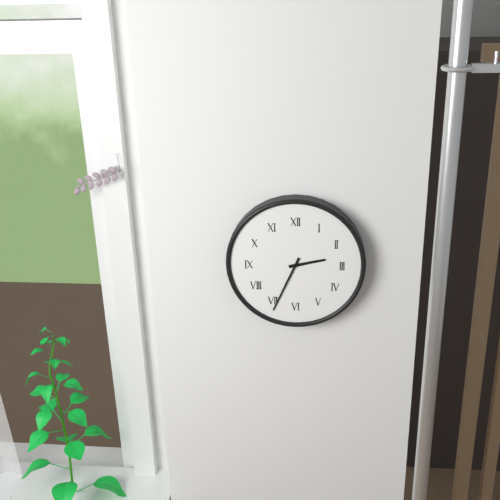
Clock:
2:34
